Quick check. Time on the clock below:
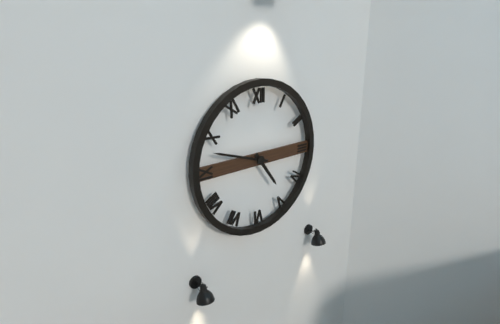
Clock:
4:48
